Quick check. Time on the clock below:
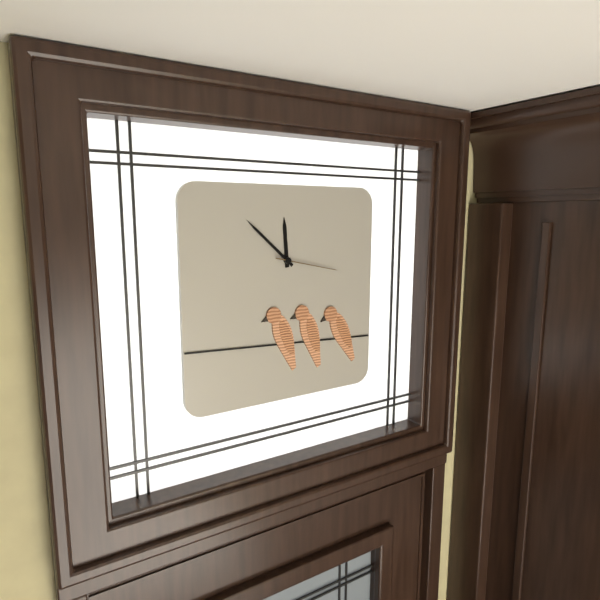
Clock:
11:52:17
